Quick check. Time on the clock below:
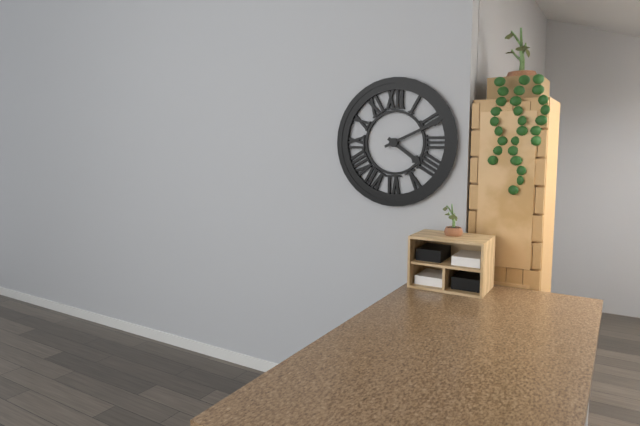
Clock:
4:11
